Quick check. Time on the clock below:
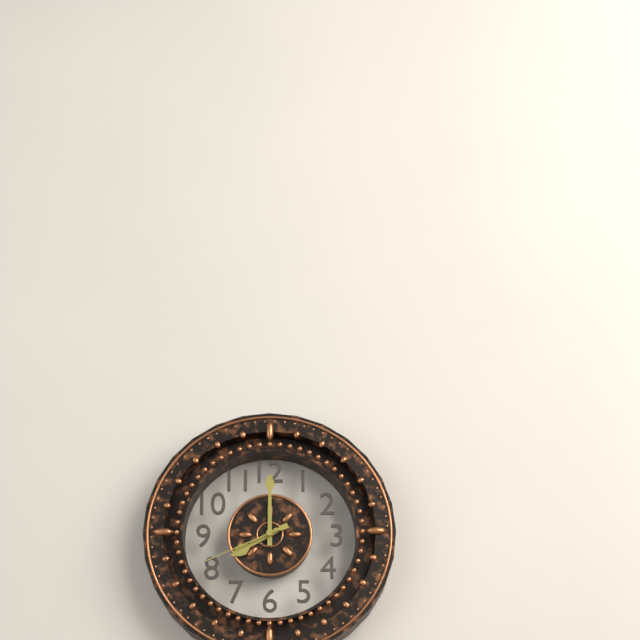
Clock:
8:00:41
